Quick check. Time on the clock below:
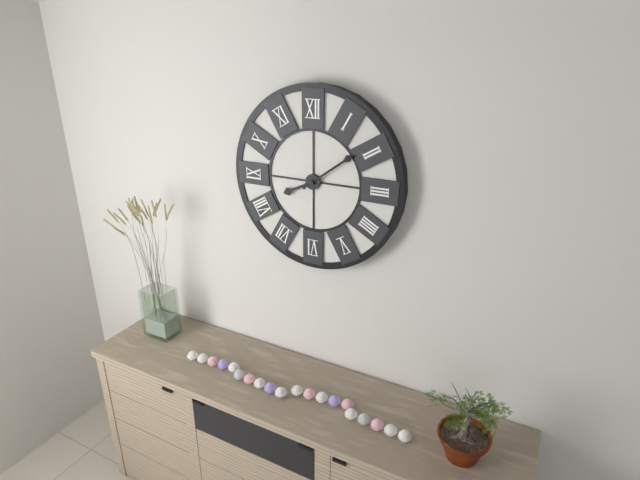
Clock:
8:09
